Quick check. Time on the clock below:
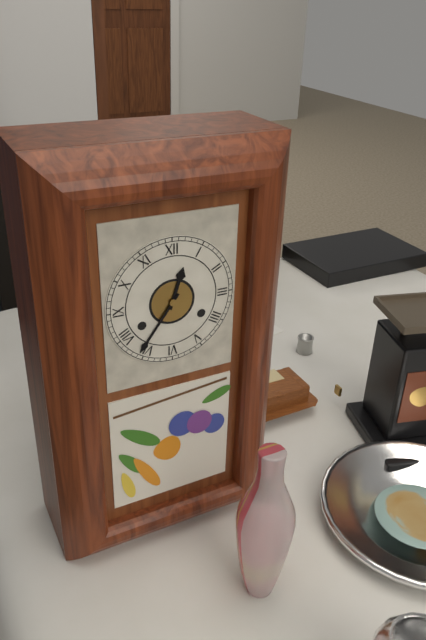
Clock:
12:36
